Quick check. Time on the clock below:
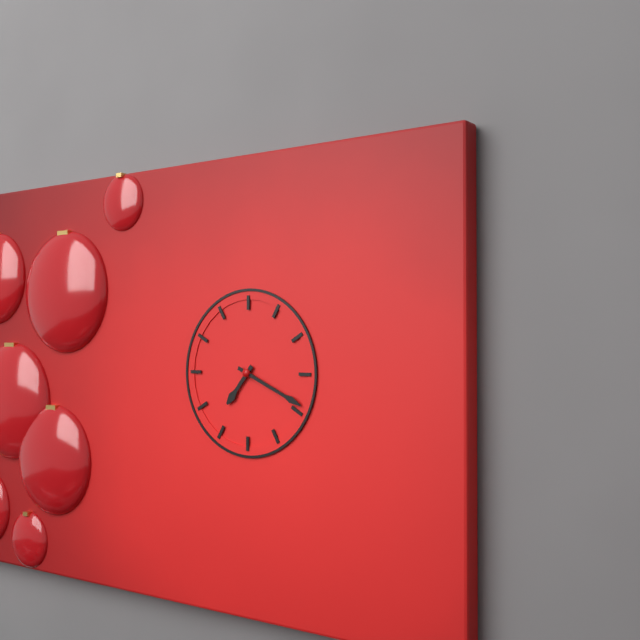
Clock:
7:19
